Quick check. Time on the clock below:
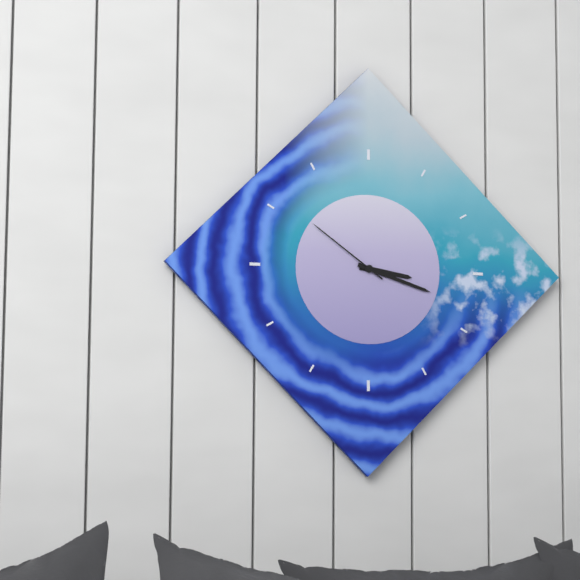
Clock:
3:18:51
